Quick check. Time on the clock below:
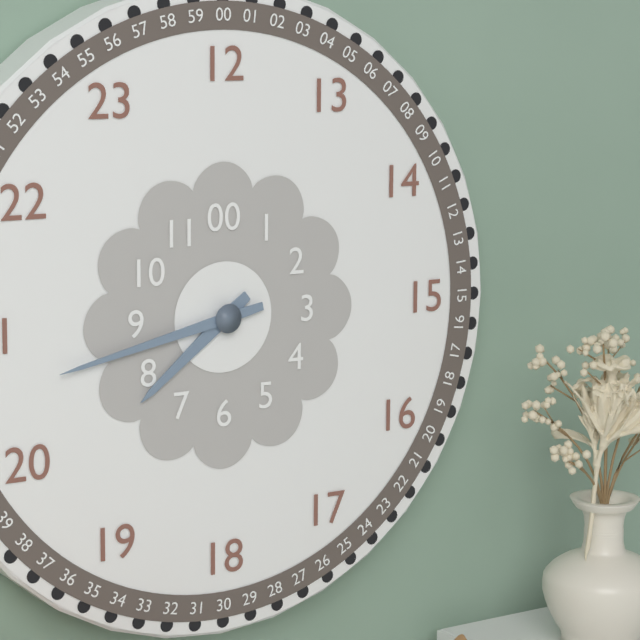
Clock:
7:43
